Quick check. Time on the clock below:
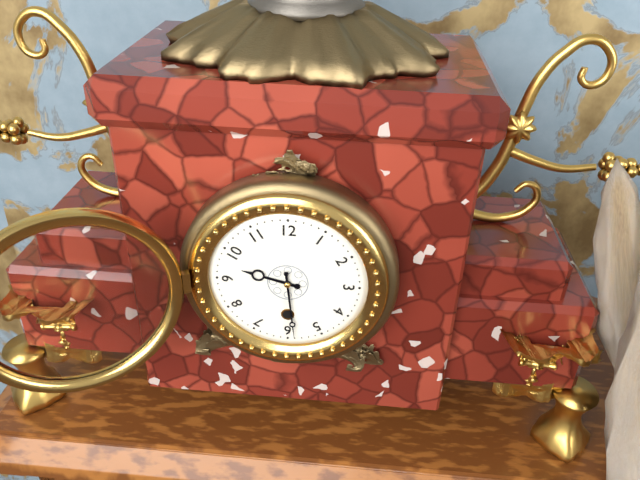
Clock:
9:29
